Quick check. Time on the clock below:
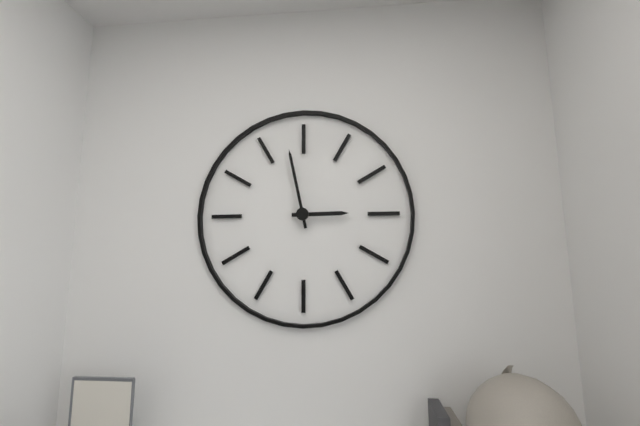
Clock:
2:58
